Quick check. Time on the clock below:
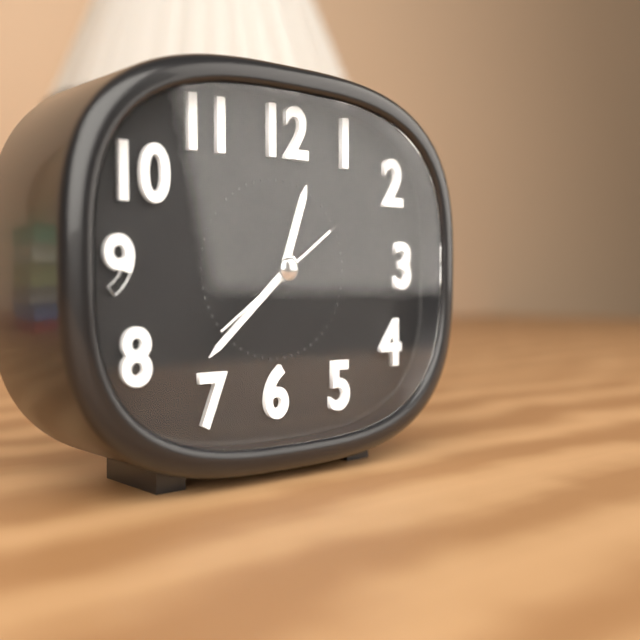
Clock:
12:38:39
